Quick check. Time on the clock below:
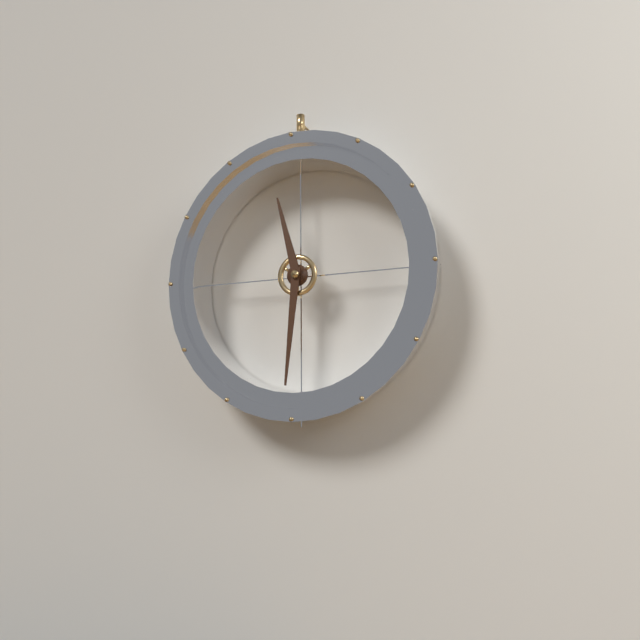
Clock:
11:31
